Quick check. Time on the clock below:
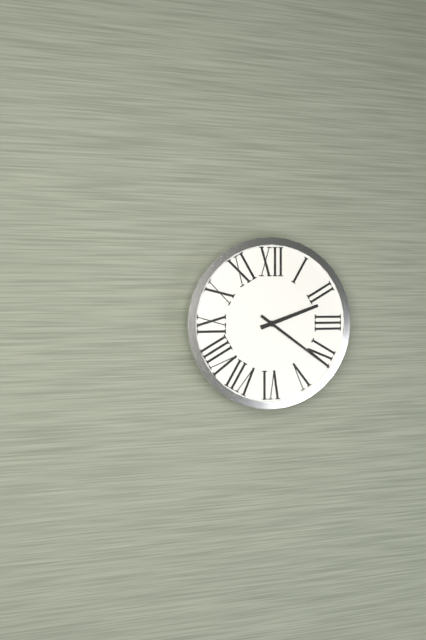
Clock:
2:21
